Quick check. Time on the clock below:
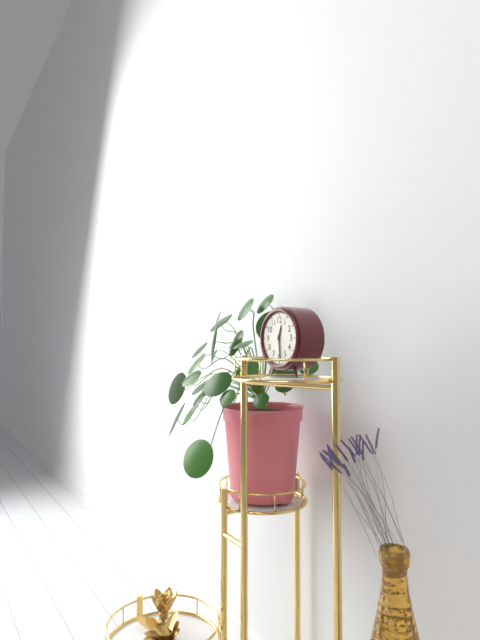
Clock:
12:29
